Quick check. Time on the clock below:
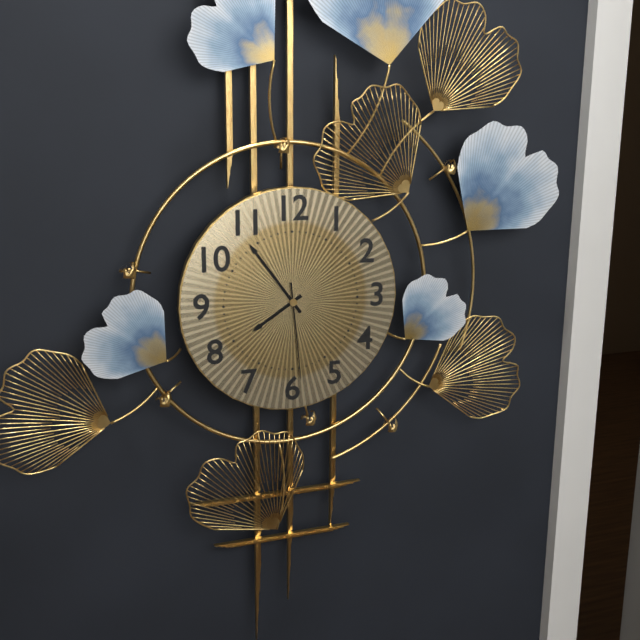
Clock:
7:54:29
